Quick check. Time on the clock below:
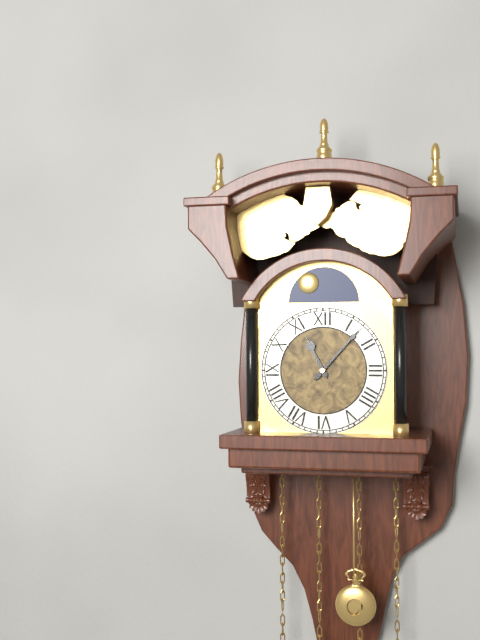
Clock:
11:07
